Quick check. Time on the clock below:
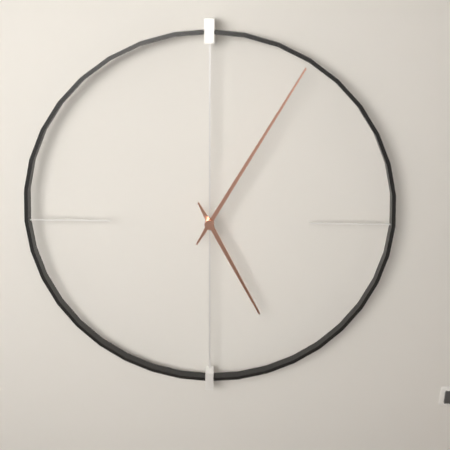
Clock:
5:05
